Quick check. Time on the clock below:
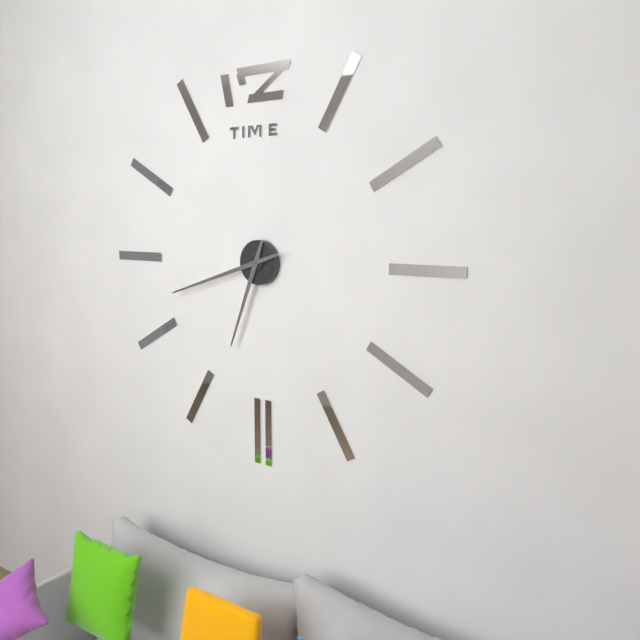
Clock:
6:42
